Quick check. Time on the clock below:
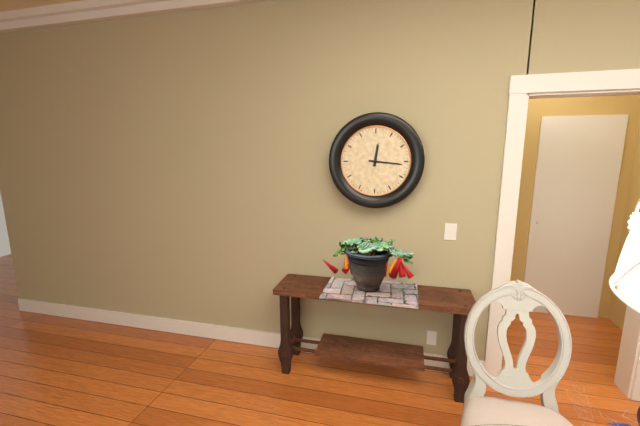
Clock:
12:16
